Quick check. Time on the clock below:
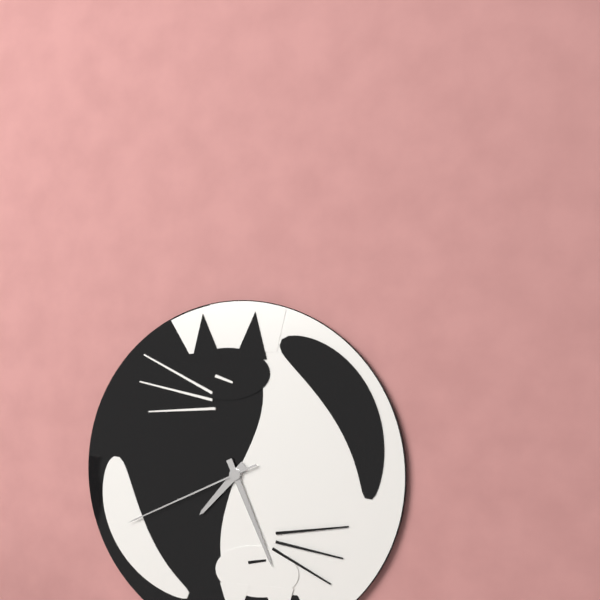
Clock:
7:26:41
